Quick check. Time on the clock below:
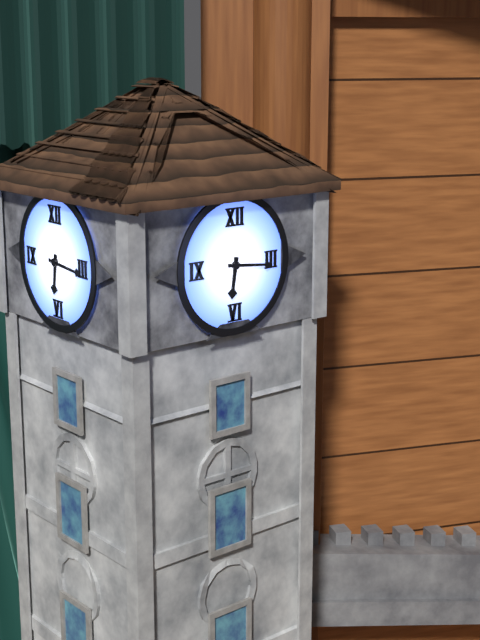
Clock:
6:16
